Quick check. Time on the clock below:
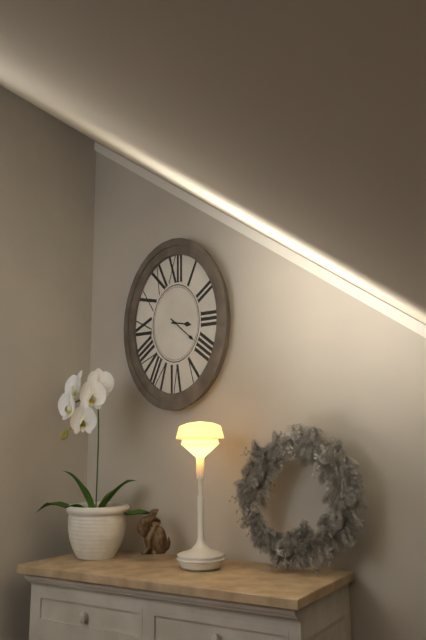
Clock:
3:22
